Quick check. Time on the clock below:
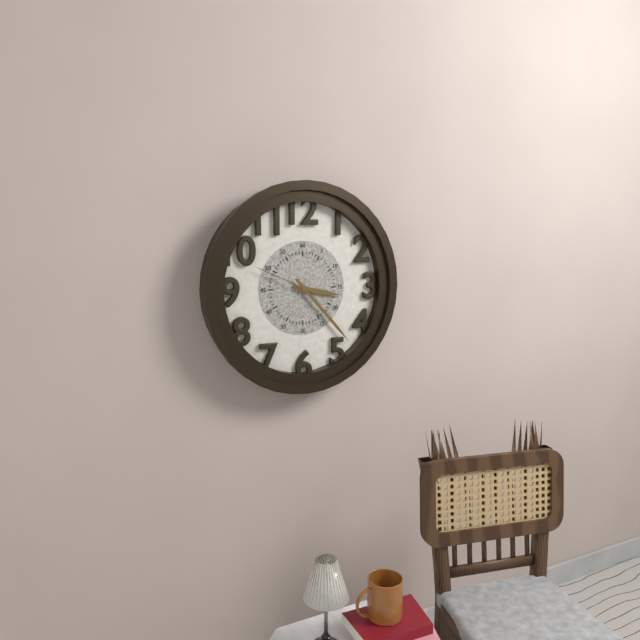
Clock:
3:23:49
